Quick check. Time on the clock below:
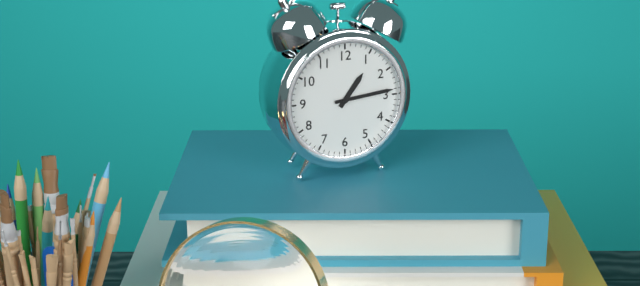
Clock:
1:14
